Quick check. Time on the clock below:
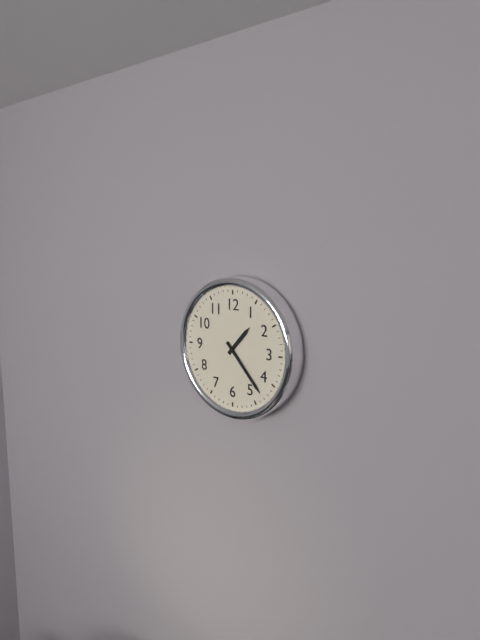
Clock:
1:23
